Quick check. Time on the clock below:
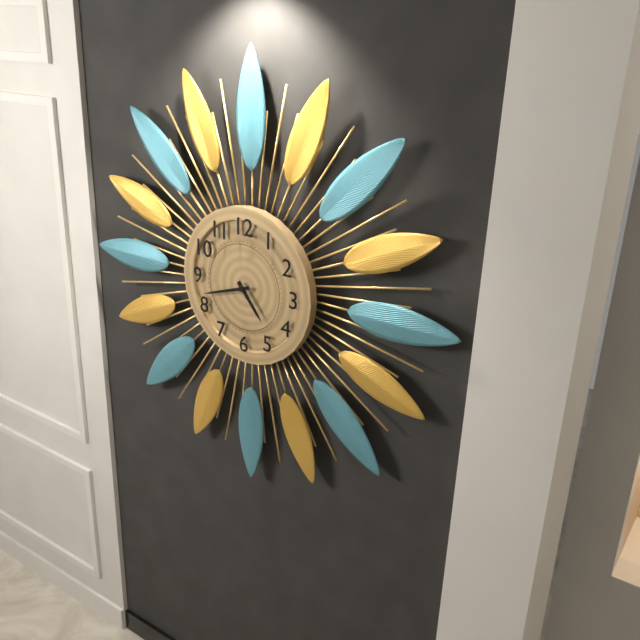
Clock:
4:42
